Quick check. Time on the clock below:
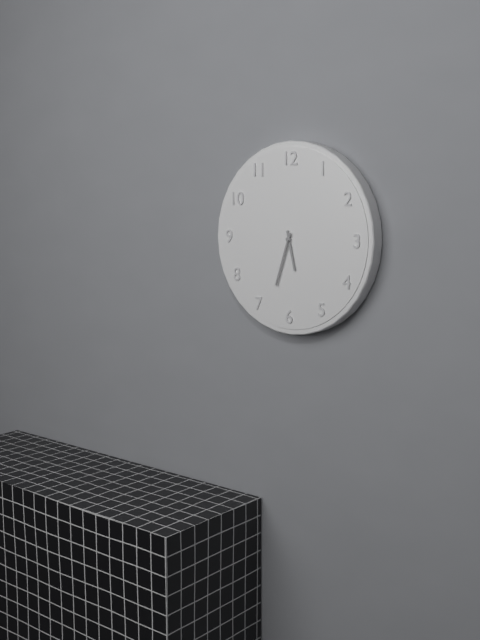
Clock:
5:33
